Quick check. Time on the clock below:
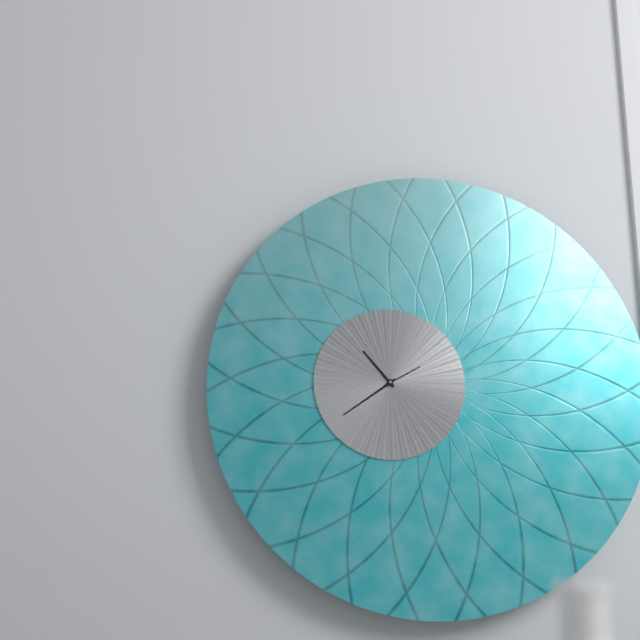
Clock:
10:39
